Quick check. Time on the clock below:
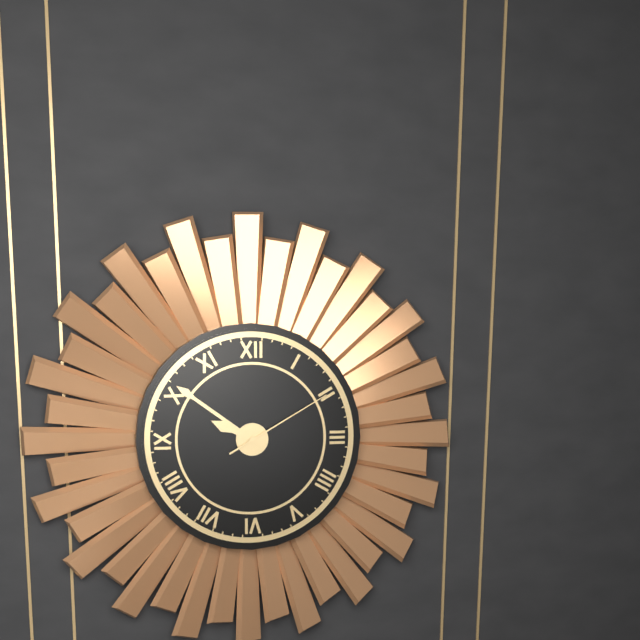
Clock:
9:51:10
